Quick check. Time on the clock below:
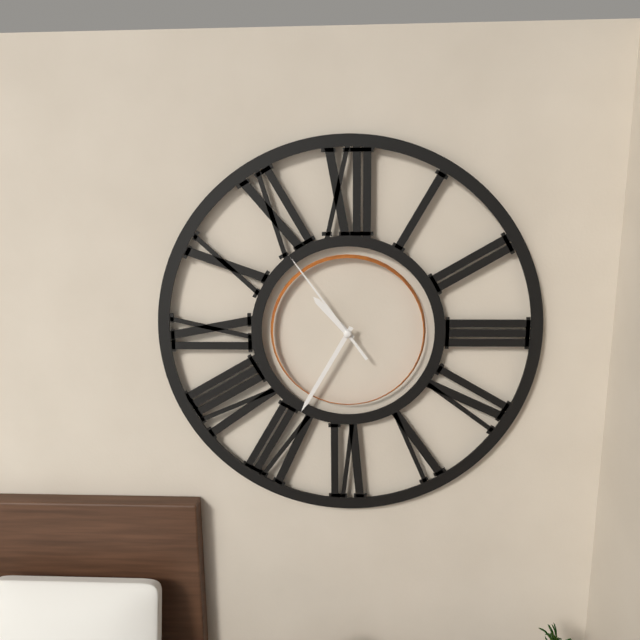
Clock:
10:35:54
